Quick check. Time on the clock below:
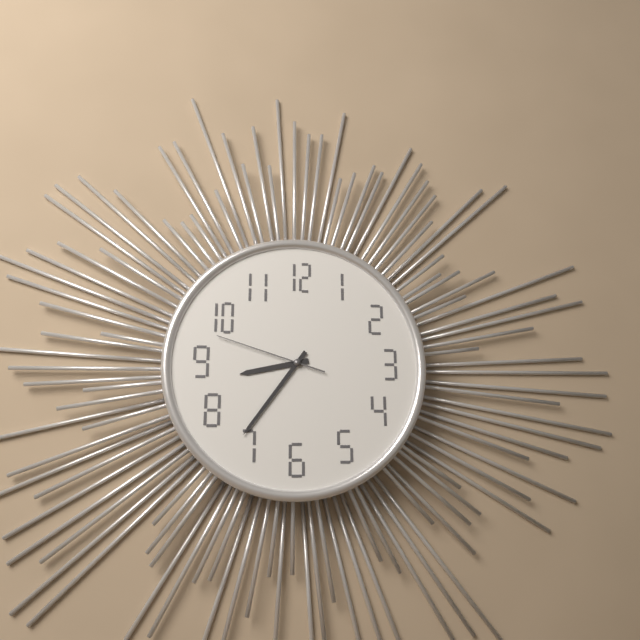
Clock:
8:36:48
